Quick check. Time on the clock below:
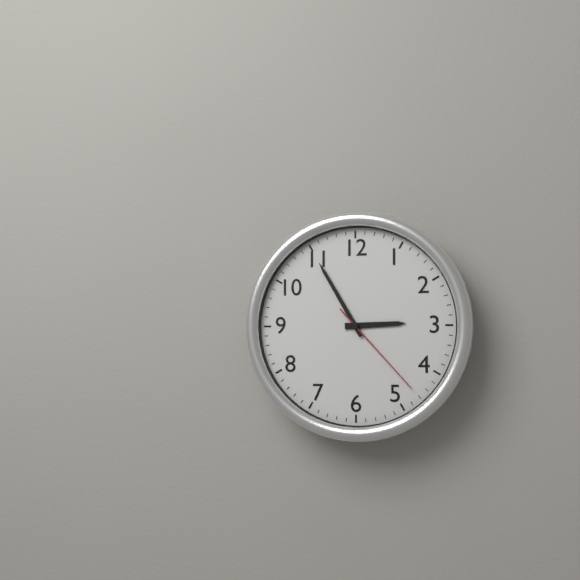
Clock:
2:55:23
